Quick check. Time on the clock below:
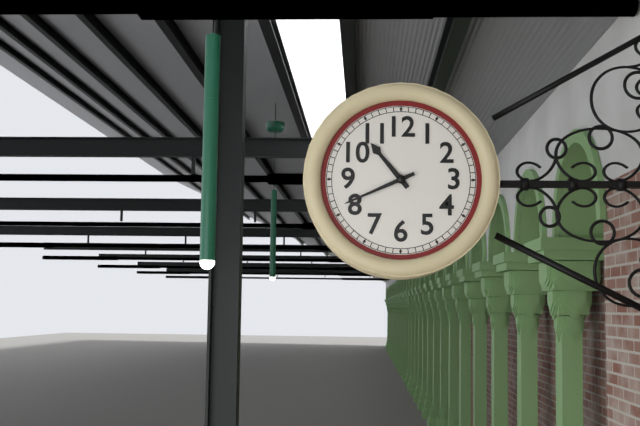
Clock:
10:41
